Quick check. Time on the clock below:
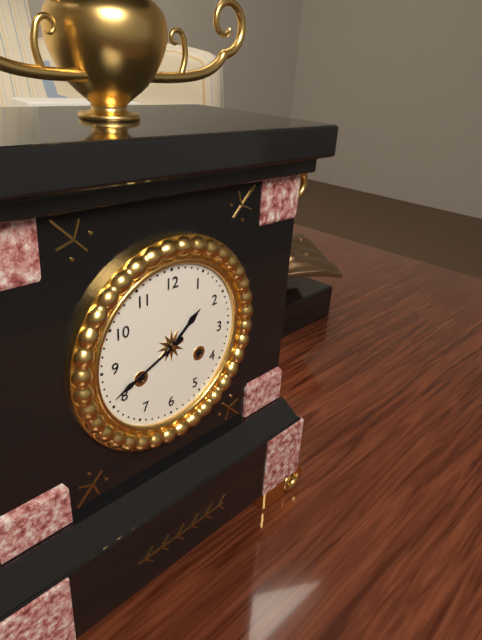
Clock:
1:41
